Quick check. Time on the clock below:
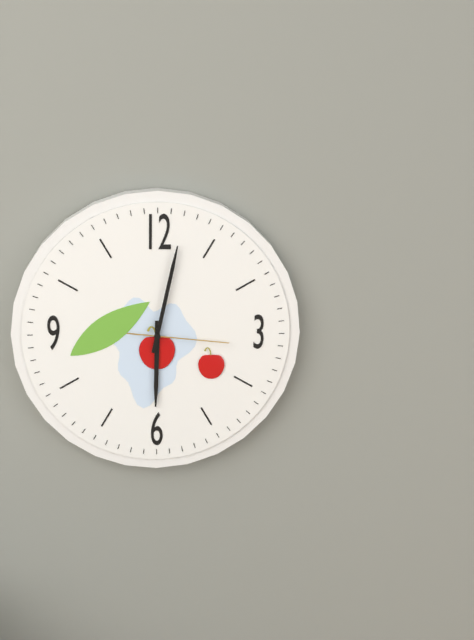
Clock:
6:02:16
